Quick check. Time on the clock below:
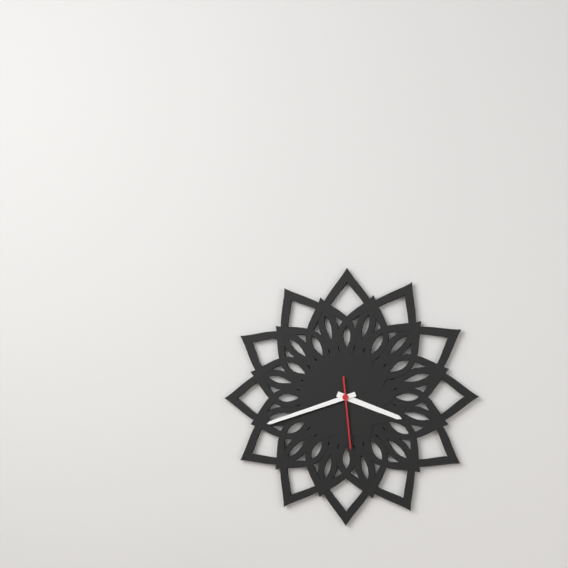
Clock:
3:42:29
